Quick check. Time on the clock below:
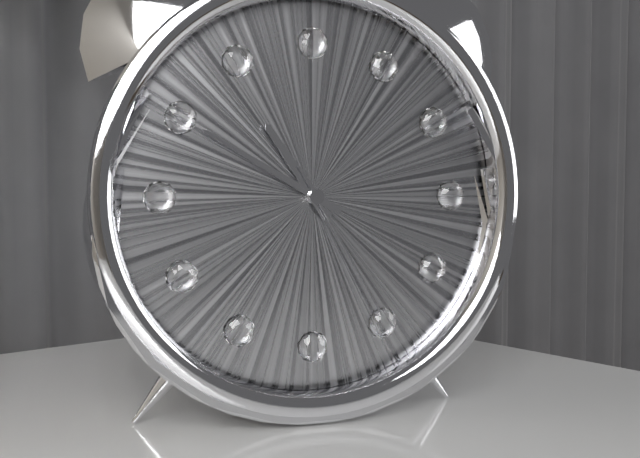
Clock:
10:50:25
